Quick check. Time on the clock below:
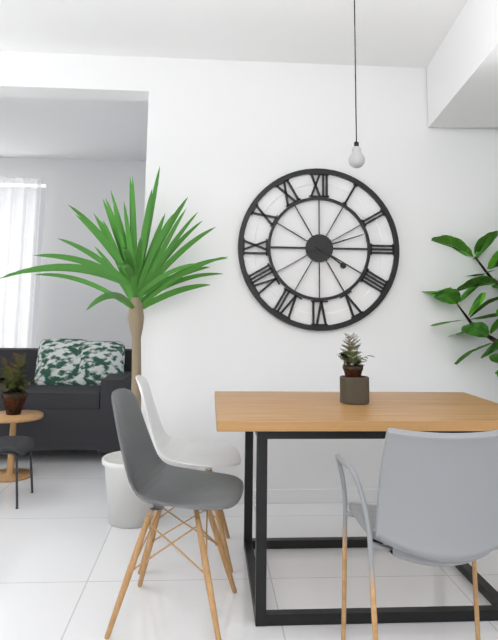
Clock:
4:12
